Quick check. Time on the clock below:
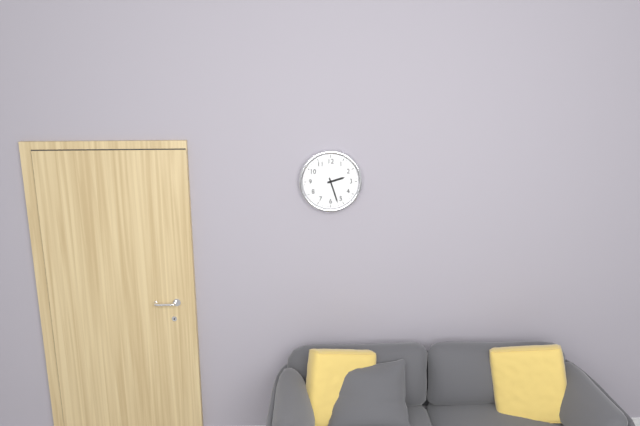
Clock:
2:27
